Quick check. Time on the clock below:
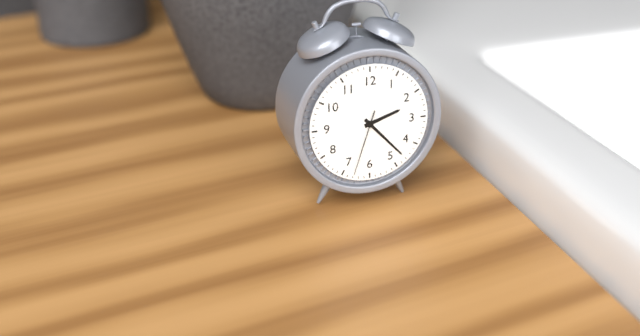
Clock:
2:23:33
